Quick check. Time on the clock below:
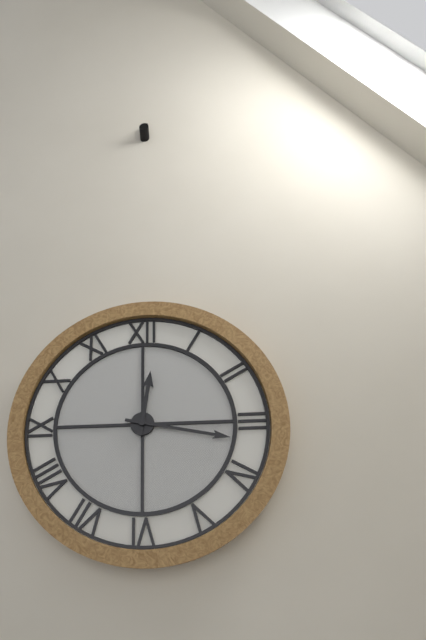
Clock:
12:17
